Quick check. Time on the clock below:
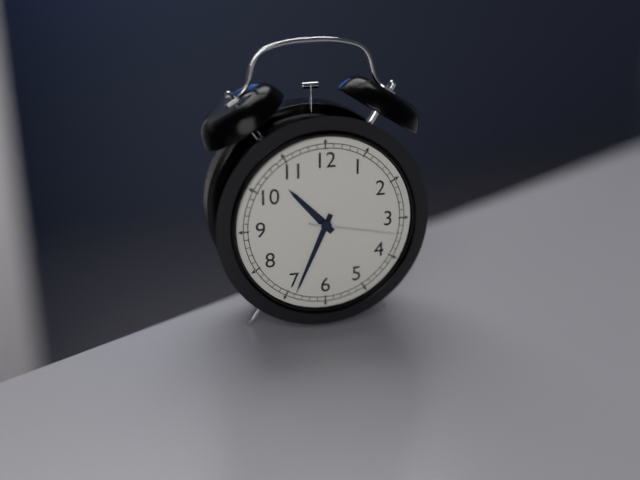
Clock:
10:34:17
